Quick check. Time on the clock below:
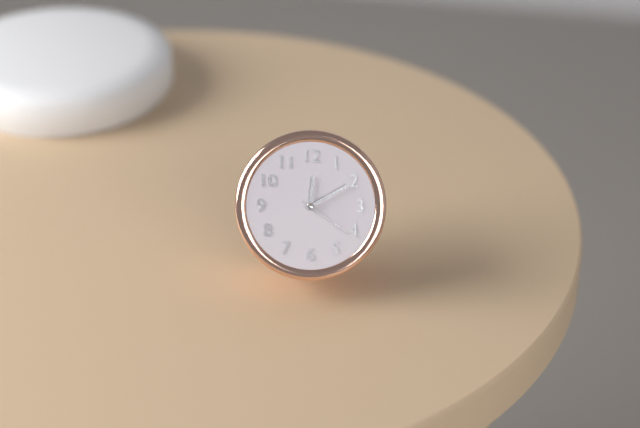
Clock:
12:10:21
